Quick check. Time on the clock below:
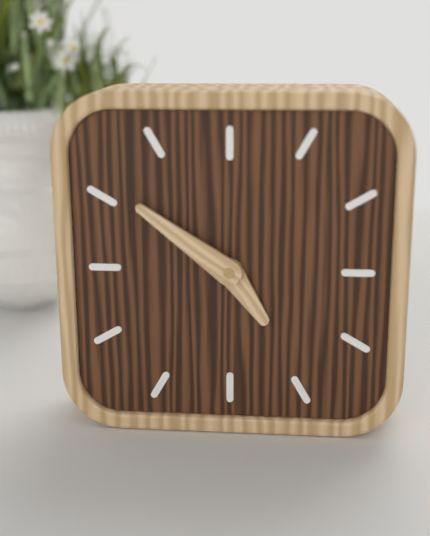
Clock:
4:51
